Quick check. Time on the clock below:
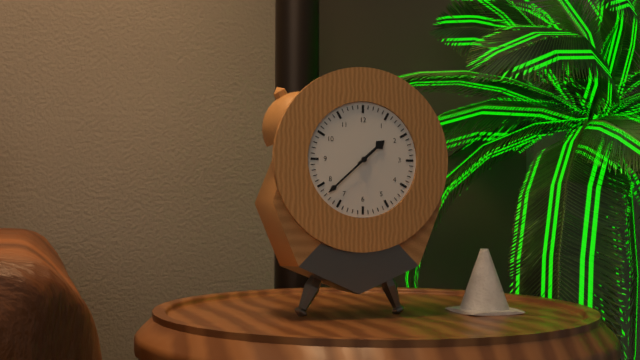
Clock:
1:38
